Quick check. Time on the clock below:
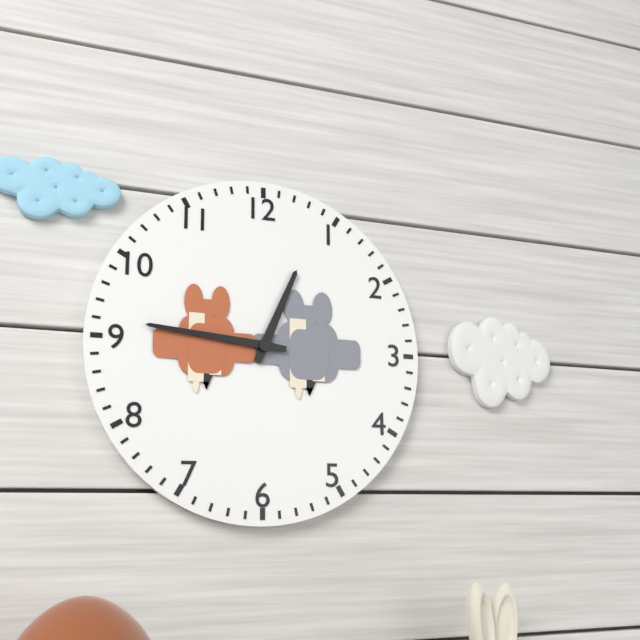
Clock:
12:46
